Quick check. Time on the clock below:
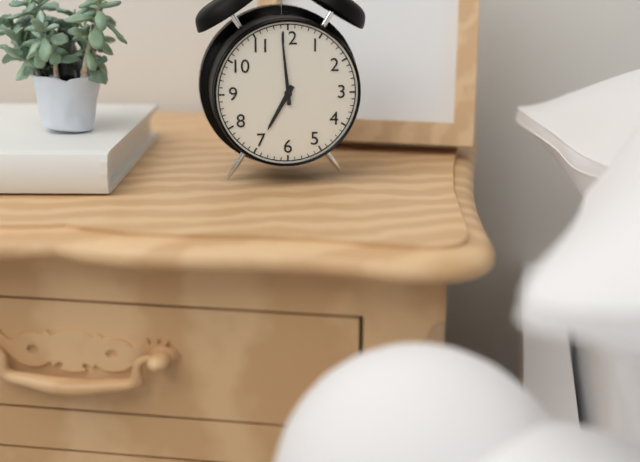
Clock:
6:59
